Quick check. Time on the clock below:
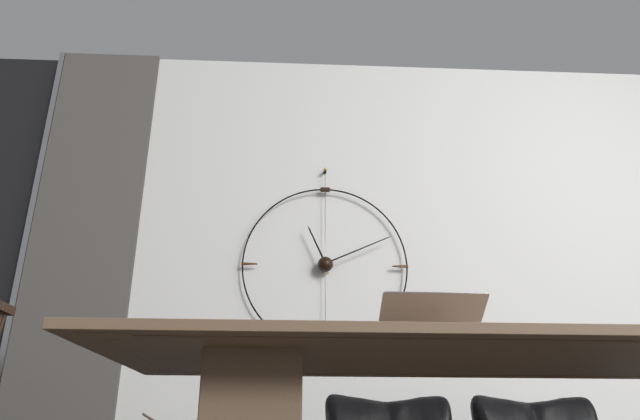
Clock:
11:11
